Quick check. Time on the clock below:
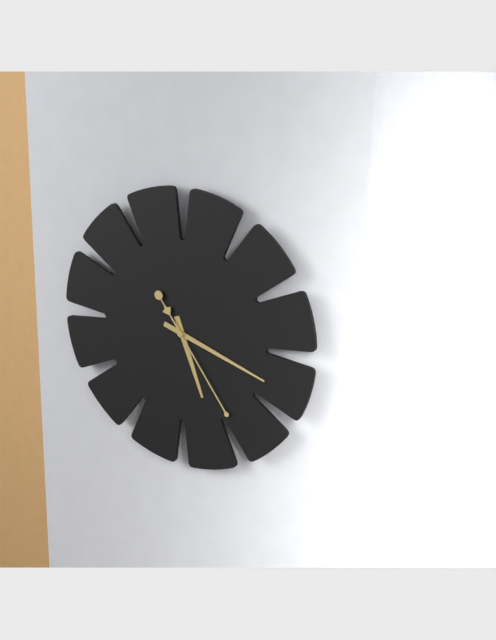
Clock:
5:18:24
